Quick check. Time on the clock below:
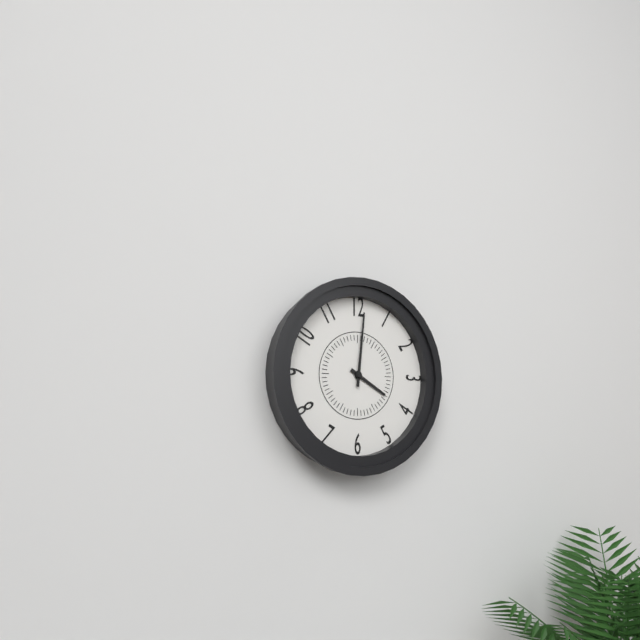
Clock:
4:01
